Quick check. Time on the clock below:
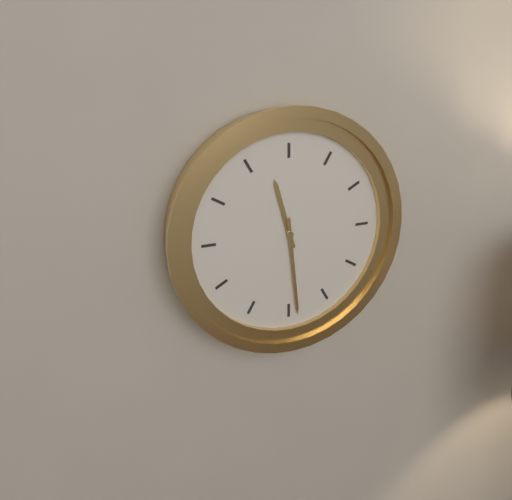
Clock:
11:29
